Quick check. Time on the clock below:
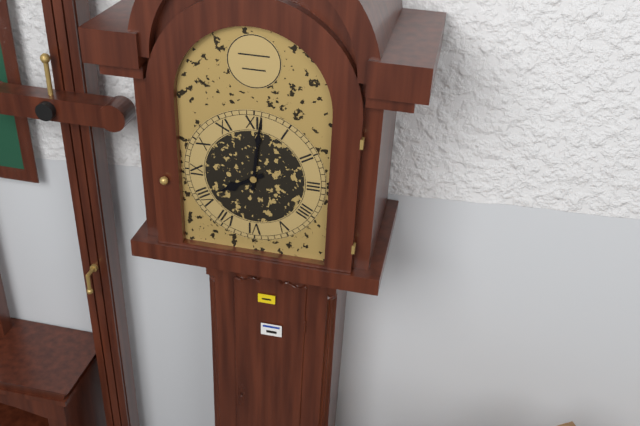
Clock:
8:01
